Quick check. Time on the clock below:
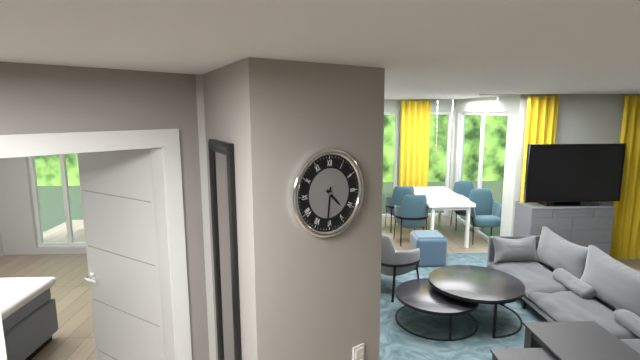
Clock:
4:31
